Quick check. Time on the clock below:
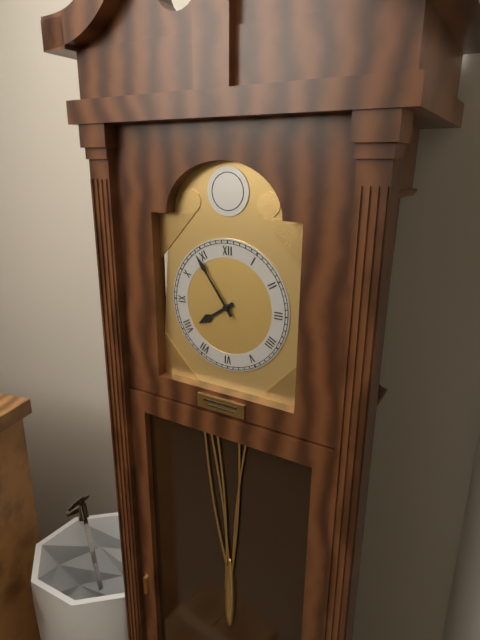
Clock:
7:54
